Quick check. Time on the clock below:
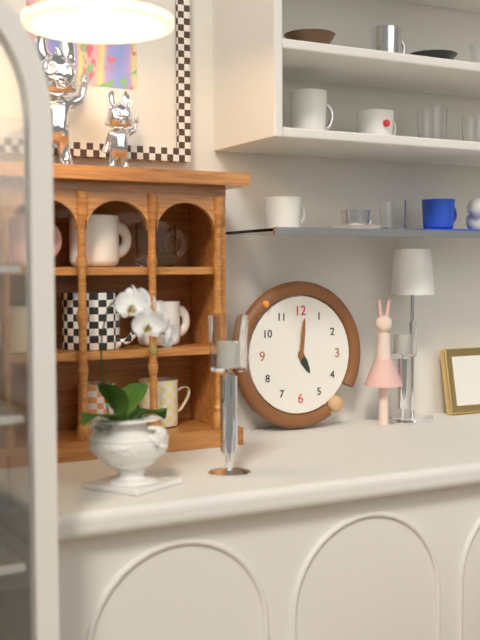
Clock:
5:01
